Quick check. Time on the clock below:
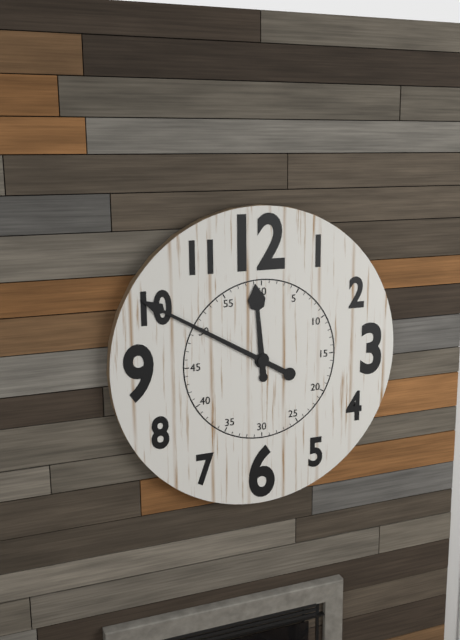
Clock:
11:50
